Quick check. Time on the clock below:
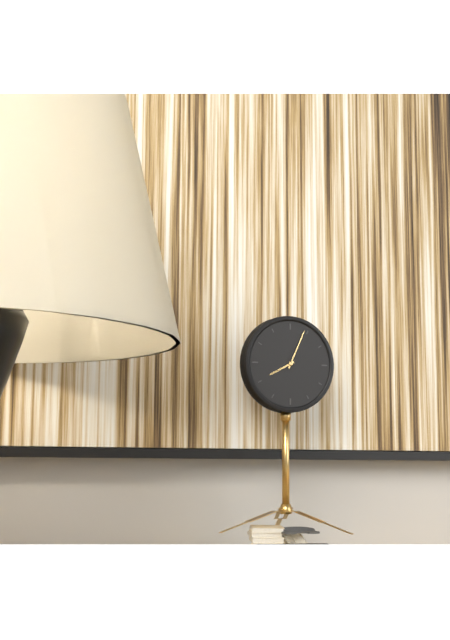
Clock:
8:04
